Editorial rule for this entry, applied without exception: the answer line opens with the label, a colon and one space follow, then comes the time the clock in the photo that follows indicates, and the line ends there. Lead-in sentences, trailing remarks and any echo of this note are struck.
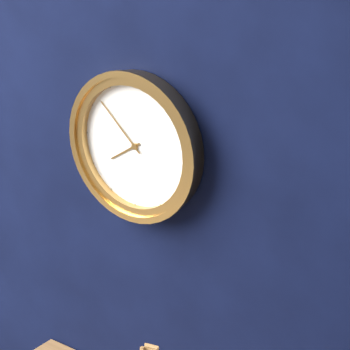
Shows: 7:52
